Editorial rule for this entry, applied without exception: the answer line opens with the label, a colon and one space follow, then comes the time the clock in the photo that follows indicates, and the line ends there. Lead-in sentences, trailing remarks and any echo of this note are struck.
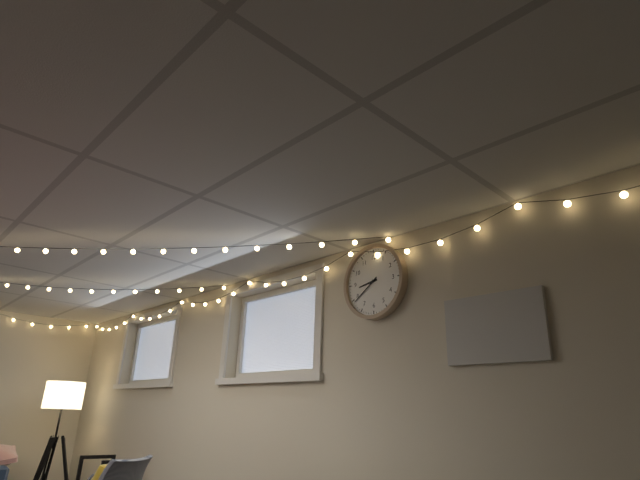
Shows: 8:39
